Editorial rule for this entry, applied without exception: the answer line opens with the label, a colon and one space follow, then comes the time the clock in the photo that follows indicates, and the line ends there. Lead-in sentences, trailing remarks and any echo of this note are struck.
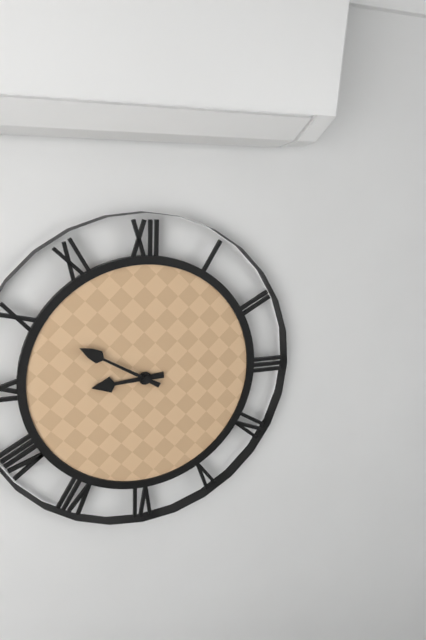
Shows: 8:50
